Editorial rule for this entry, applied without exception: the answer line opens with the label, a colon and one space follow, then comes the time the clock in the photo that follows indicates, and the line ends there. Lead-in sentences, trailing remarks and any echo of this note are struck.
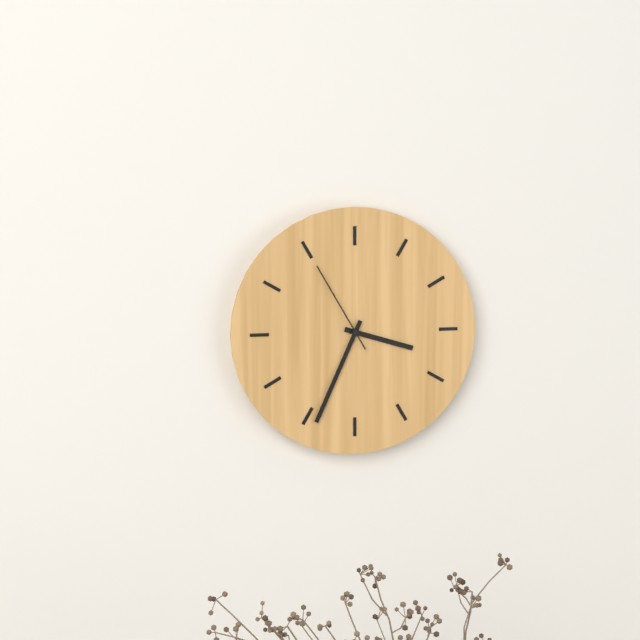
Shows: 3:34:55
